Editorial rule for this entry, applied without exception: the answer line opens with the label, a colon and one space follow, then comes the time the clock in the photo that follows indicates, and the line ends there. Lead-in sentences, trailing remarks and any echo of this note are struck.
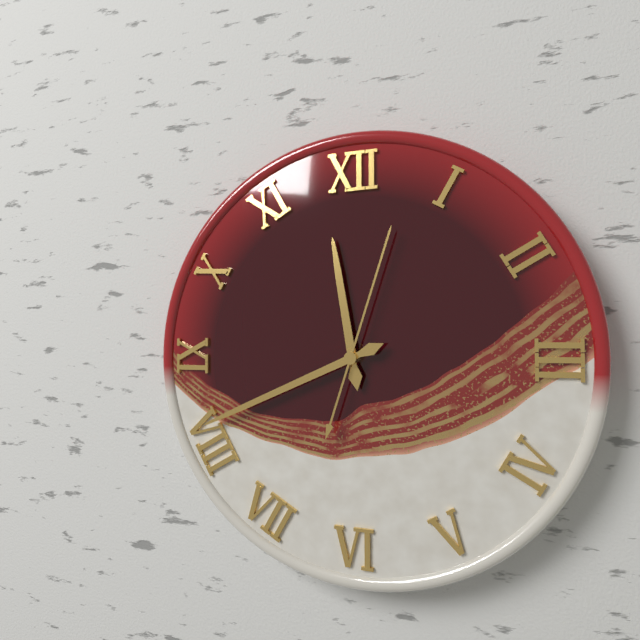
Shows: 11:41:03
